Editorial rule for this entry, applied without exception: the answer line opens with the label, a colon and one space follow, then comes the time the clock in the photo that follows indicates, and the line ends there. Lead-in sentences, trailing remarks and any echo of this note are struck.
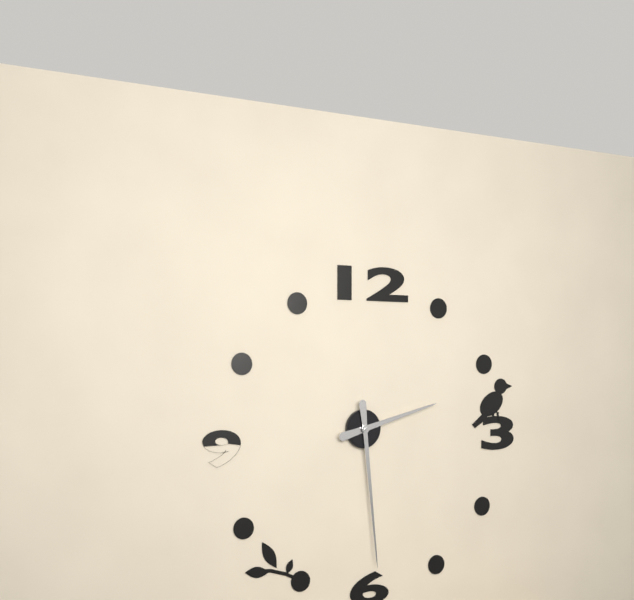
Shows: 2:29
